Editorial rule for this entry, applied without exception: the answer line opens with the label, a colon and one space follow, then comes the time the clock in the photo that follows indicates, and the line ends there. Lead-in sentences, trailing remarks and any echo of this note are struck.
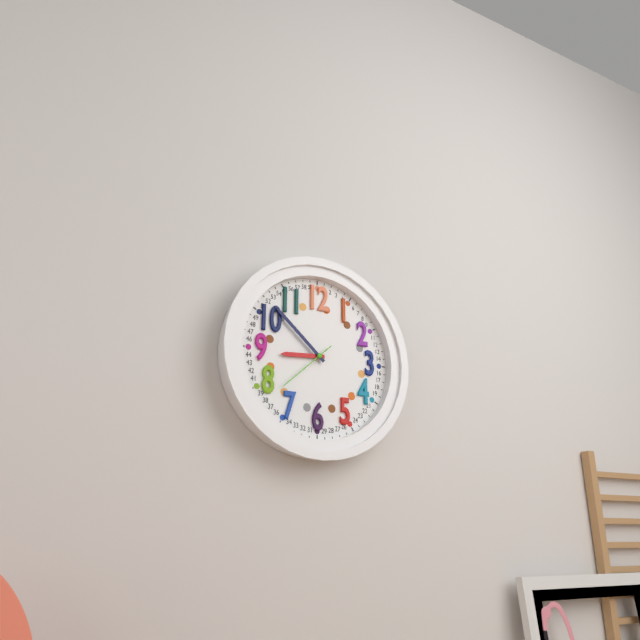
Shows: 8:52:38
